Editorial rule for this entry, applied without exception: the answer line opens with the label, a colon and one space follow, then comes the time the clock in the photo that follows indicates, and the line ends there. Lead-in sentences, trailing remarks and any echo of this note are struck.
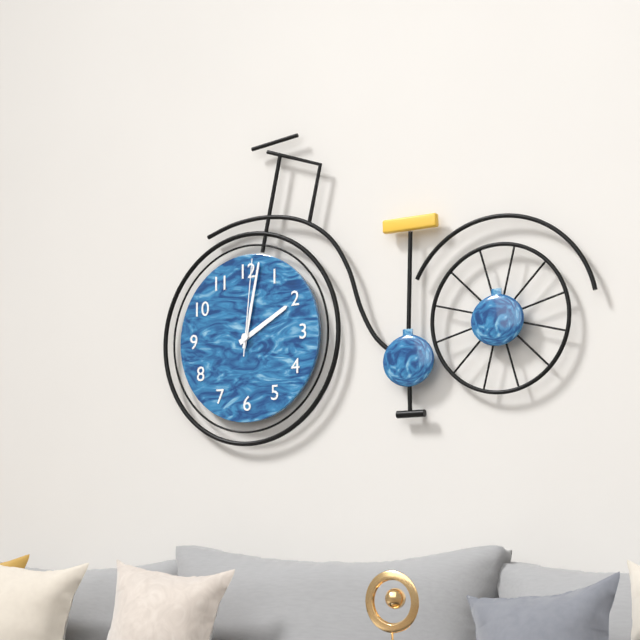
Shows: 2:02:01
